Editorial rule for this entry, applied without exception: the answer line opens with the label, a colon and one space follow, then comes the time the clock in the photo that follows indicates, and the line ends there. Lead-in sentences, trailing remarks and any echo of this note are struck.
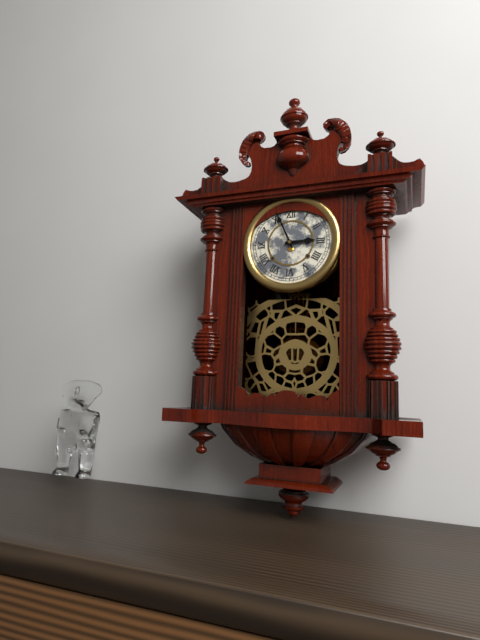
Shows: 2:56
